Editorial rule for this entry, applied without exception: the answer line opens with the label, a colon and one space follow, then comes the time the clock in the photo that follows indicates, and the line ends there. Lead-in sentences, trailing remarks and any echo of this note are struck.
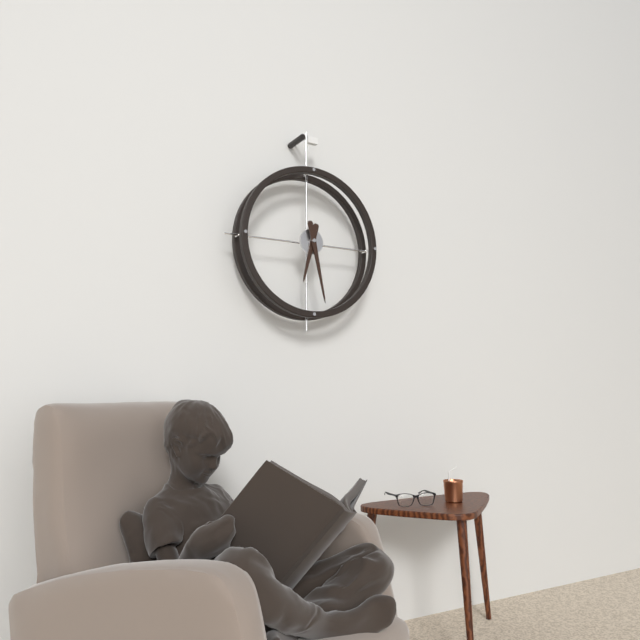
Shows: 6:28
